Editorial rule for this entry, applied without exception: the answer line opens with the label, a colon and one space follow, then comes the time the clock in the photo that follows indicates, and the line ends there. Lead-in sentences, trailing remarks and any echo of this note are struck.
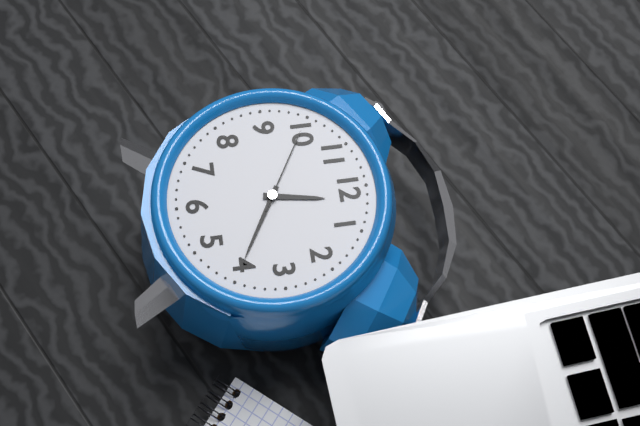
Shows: 12:20:50
